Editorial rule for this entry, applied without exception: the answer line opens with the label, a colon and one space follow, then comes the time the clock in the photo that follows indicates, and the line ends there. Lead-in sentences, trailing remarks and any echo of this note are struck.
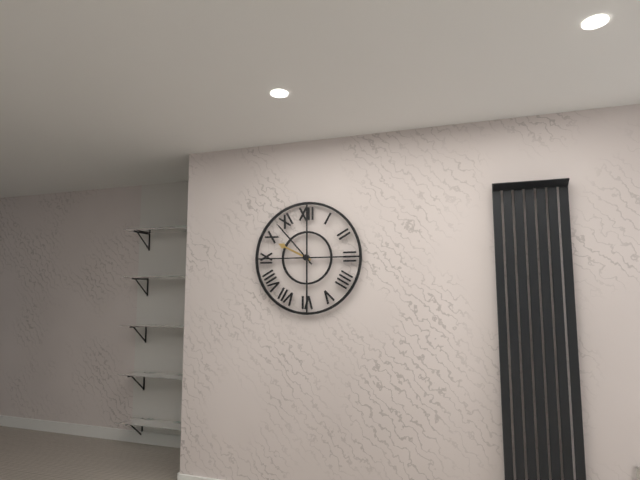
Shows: 9:53
